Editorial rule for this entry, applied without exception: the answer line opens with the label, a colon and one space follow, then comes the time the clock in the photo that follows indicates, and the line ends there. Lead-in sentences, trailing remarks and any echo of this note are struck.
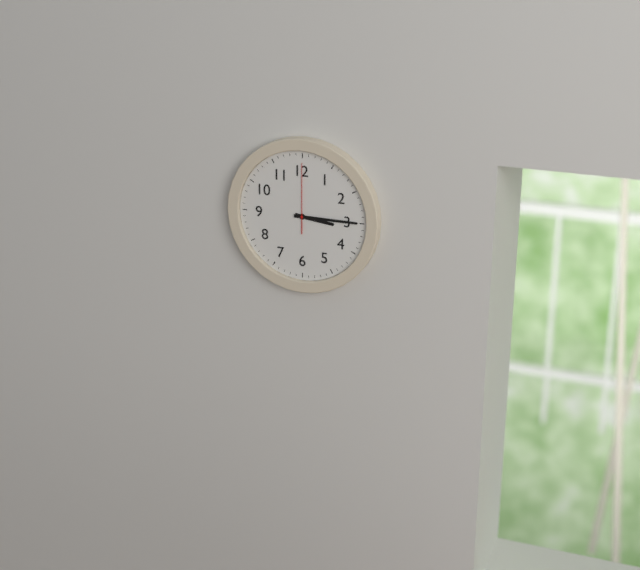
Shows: 3:15:00
